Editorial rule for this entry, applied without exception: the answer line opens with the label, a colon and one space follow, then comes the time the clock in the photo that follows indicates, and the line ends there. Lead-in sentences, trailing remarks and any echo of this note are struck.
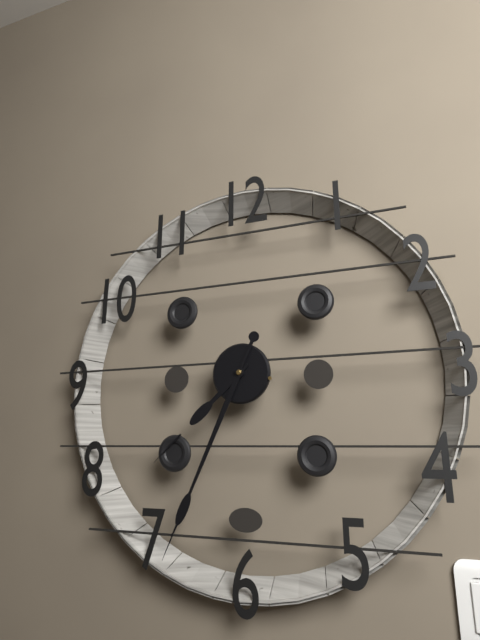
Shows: 7:34
